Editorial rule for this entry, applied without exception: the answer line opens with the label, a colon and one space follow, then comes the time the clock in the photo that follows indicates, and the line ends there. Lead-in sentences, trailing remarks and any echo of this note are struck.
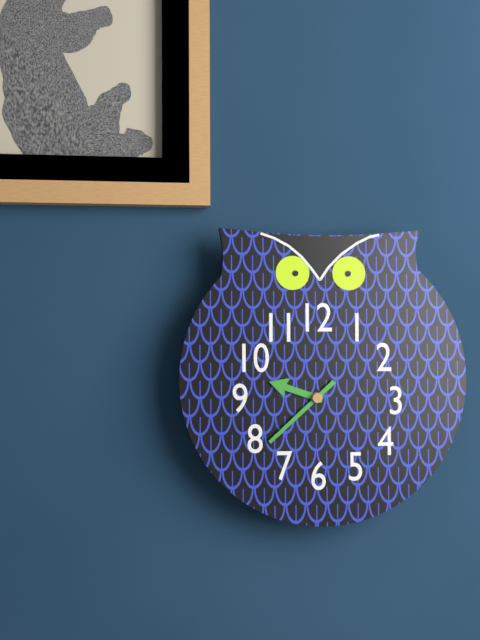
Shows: 9:38
